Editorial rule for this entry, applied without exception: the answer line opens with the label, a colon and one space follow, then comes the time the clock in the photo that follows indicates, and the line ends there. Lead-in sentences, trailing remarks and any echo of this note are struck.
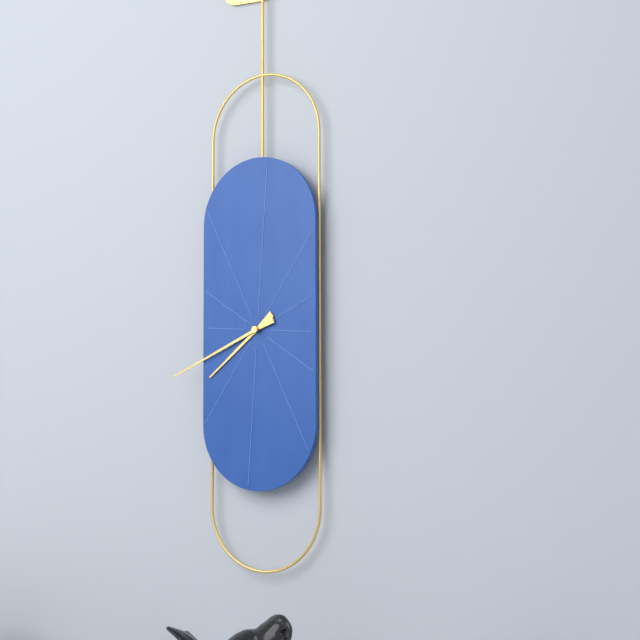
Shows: 7:41
